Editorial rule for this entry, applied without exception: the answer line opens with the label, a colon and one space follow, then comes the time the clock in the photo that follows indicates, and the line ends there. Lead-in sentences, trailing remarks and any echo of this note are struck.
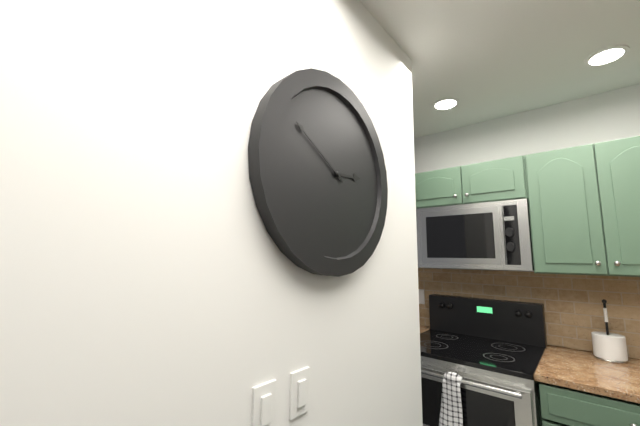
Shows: 2:50
